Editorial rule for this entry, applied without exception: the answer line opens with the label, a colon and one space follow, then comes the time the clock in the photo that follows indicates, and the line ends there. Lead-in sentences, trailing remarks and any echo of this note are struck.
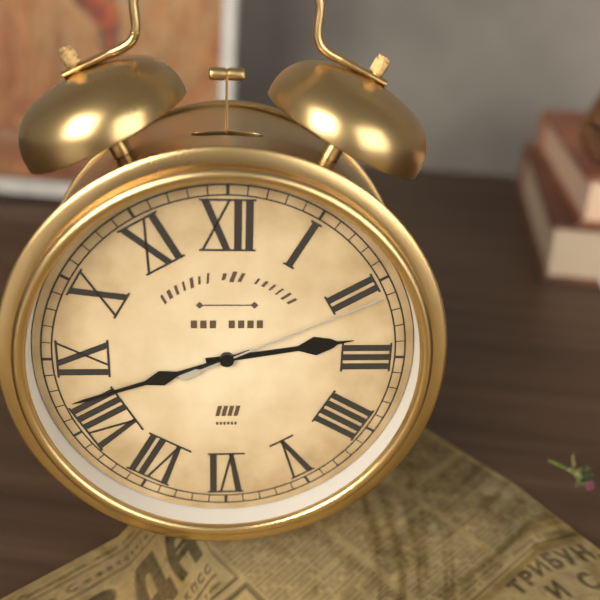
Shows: 2:42:11
